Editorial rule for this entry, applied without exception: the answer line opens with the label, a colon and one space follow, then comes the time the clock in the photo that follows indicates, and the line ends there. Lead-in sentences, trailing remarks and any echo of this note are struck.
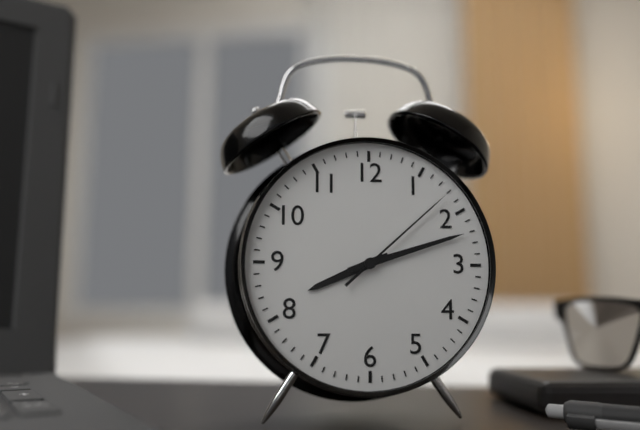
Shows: 8:12:08
